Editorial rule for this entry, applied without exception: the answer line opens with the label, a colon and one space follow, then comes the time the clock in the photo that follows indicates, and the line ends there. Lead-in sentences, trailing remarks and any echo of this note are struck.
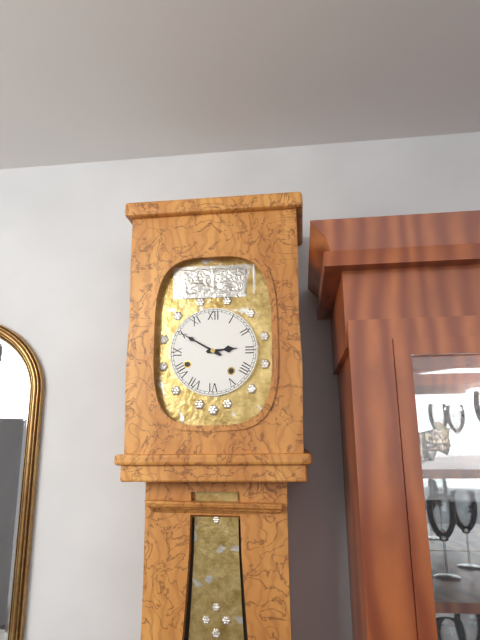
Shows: 2:50
